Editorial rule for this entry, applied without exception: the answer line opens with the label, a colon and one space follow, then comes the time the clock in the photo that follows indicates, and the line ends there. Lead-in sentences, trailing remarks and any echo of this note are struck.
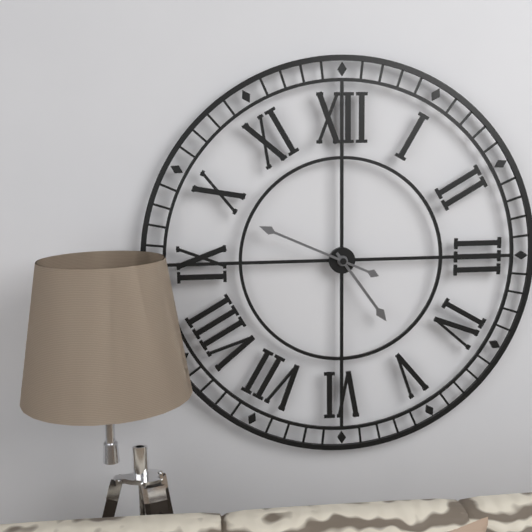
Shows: 4:49
